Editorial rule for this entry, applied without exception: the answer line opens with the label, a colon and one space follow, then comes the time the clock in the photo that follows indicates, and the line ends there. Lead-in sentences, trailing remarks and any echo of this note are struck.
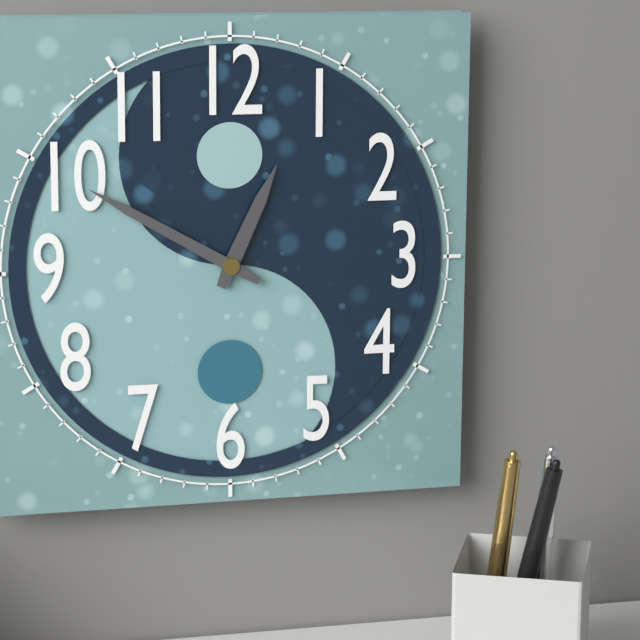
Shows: 12:50
